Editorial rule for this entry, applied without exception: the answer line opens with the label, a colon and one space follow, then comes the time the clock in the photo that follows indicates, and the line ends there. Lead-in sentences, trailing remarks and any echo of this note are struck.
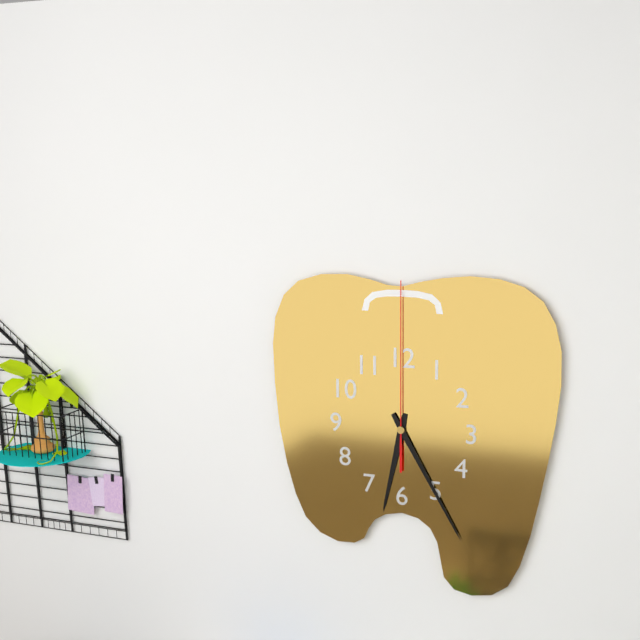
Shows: 6:25:00
